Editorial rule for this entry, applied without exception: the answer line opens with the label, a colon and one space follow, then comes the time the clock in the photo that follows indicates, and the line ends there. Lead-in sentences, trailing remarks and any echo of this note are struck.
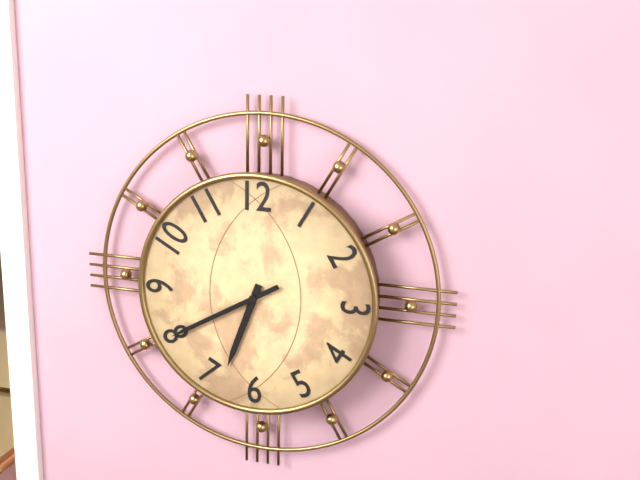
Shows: 6:40
